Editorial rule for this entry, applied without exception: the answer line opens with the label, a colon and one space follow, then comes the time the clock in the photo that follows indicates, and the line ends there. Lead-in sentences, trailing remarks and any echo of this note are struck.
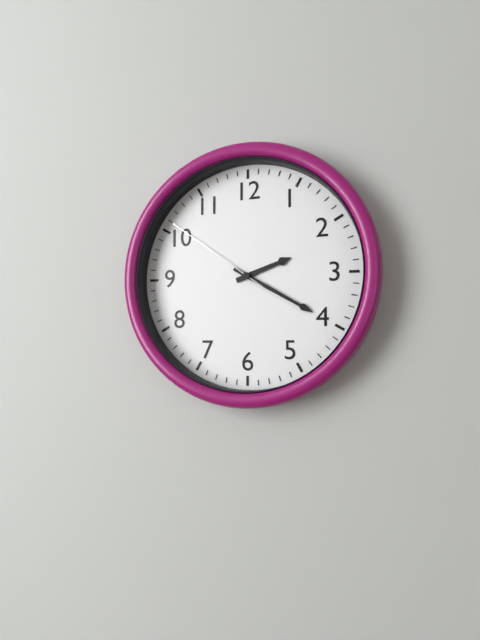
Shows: 2:20:51
